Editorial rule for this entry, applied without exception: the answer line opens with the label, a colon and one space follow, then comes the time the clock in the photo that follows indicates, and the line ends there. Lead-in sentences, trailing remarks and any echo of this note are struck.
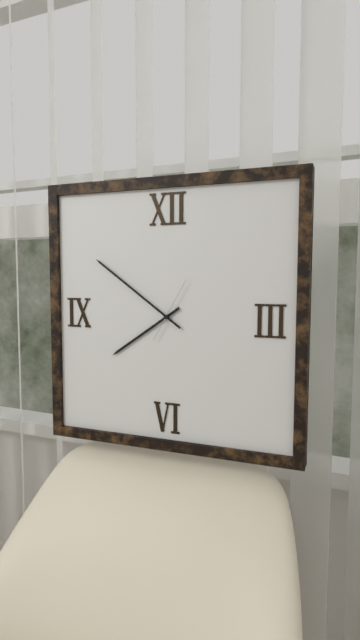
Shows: 7:51:05
